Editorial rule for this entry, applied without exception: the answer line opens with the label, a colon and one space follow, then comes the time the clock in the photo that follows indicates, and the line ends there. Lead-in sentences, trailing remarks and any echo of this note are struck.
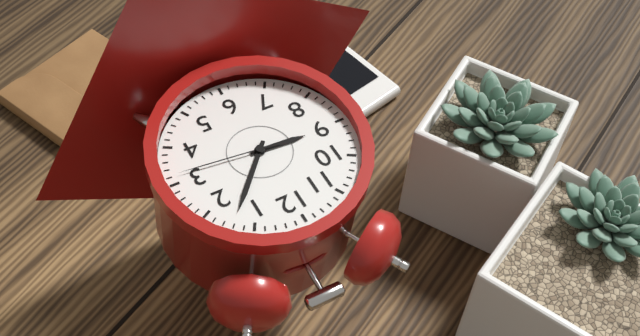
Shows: 9:07:16
